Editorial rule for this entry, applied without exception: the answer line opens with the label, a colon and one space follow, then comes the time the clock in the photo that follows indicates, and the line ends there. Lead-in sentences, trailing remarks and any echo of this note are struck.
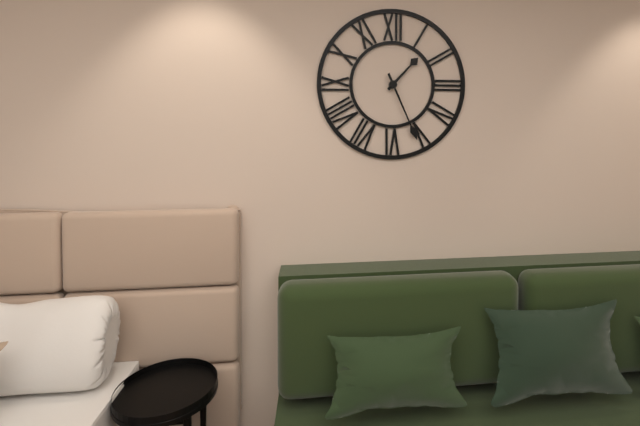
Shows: 1:26
